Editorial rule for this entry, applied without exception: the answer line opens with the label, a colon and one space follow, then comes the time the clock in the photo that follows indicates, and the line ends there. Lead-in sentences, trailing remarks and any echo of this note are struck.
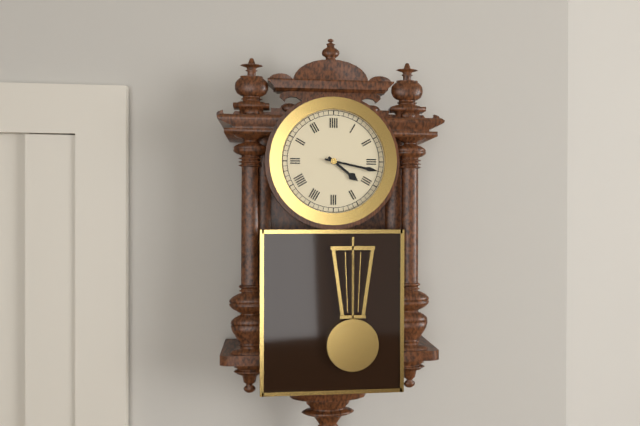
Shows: 4:17
